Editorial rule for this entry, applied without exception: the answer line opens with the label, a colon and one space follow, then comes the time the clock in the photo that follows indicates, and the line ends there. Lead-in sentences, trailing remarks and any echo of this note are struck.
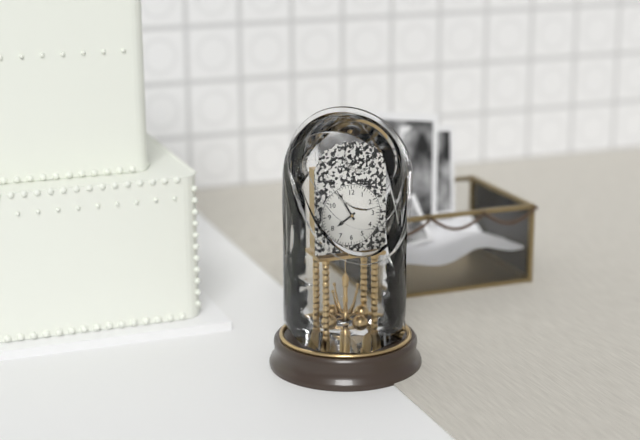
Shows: 7:55
